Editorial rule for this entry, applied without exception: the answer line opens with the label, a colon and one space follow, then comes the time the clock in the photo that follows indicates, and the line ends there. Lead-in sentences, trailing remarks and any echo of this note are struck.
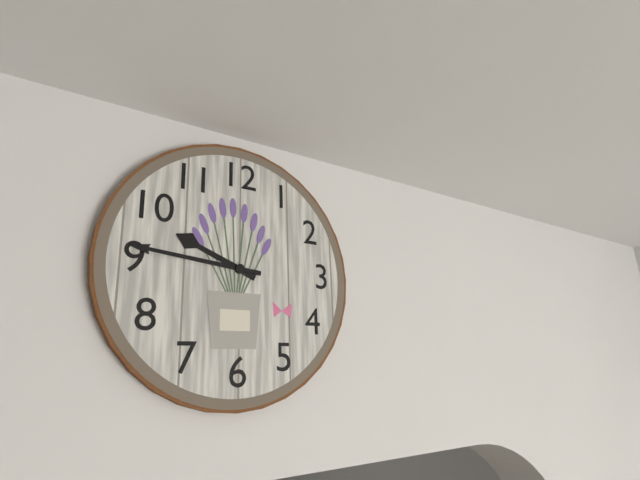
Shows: 9:46
